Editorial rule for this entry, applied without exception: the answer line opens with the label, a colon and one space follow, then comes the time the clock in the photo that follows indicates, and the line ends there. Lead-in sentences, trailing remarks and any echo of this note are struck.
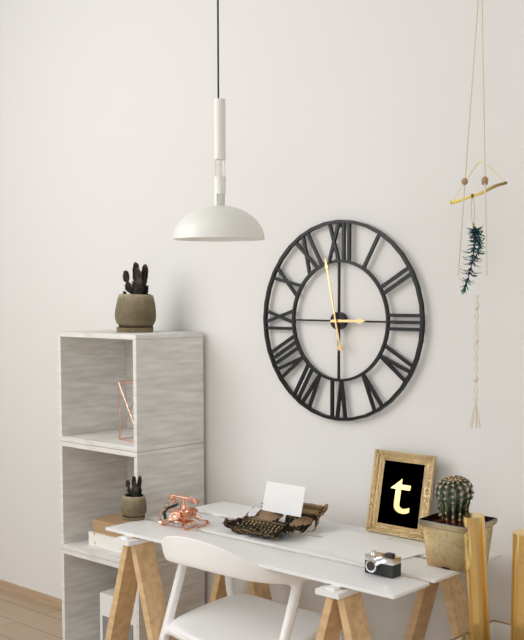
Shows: 2:58
